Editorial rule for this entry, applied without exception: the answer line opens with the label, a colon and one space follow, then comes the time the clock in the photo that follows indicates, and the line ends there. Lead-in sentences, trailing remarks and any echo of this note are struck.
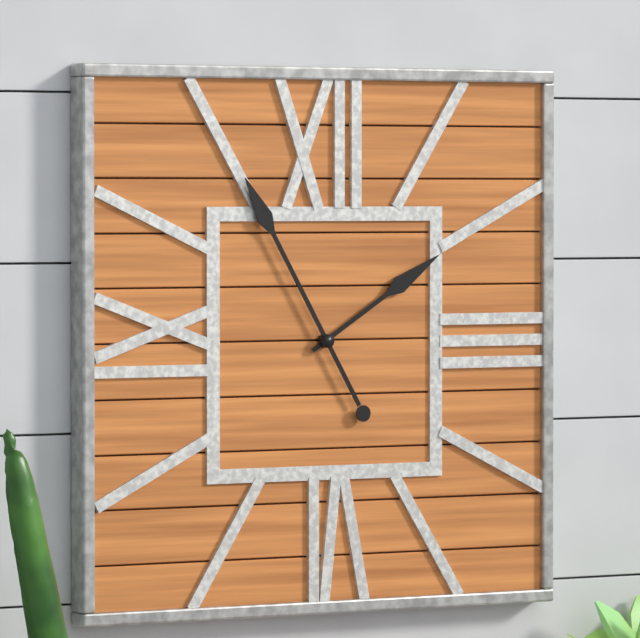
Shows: 1:55
